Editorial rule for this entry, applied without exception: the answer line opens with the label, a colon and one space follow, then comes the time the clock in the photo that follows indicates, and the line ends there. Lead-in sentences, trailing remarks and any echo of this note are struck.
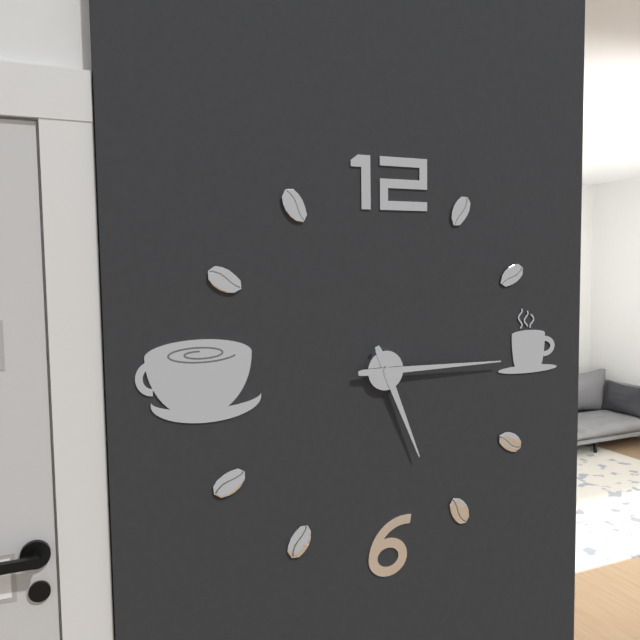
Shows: 5:15
